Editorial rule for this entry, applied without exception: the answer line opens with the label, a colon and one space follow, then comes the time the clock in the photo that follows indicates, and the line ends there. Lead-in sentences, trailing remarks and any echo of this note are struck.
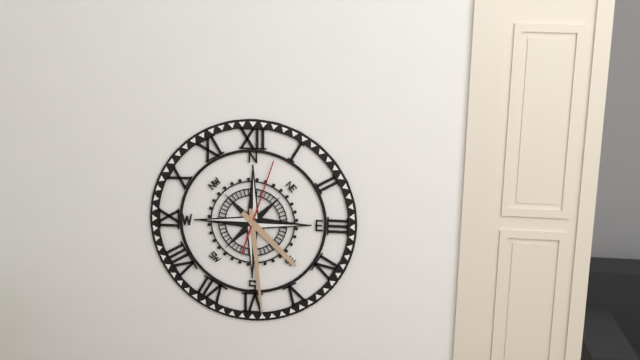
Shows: 4:29:03
